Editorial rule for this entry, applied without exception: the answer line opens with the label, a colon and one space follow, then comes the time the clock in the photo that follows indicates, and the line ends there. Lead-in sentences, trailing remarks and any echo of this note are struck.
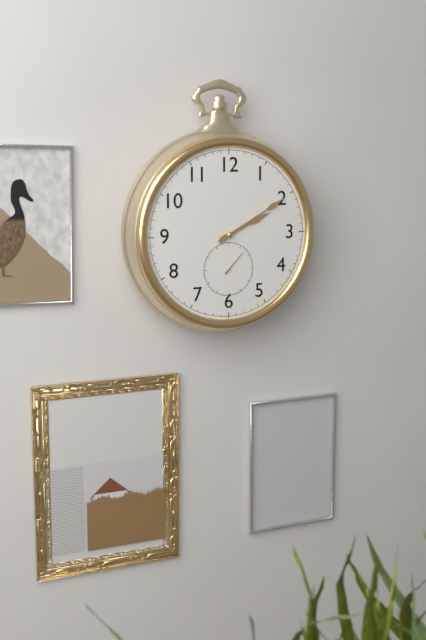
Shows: 2:10
